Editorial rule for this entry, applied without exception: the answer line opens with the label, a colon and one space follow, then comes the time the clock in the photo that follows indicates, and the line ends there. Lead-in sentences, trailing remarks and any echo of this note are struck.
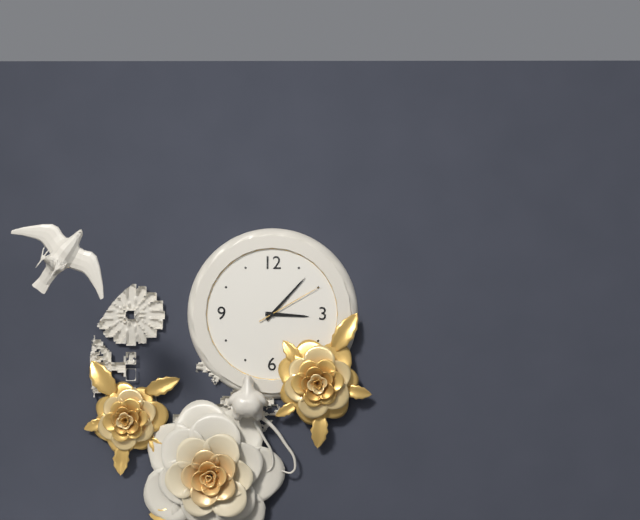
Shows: 3:07:10
